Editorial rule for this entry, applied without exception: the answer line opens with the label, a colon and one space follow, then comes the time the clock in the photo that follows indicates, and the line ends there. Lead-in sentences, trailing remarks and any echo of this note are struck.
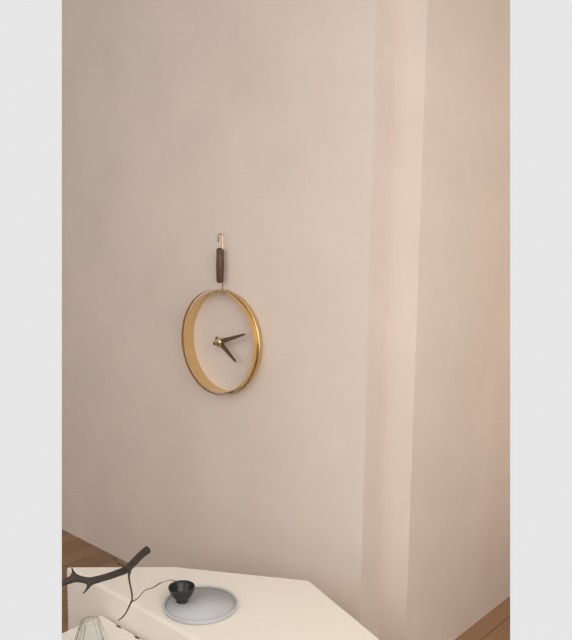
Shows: 4:12
